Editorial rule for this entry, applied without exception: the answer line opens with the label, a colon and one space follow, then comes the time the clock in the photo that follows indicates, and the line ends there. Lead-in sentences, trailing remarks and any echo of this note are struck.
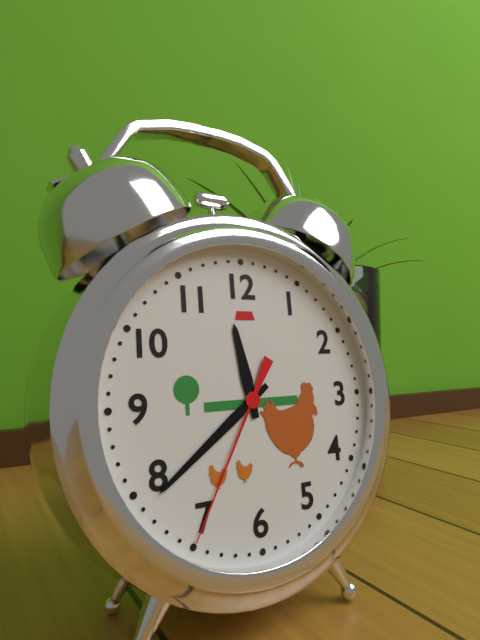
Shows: 11:39:35
